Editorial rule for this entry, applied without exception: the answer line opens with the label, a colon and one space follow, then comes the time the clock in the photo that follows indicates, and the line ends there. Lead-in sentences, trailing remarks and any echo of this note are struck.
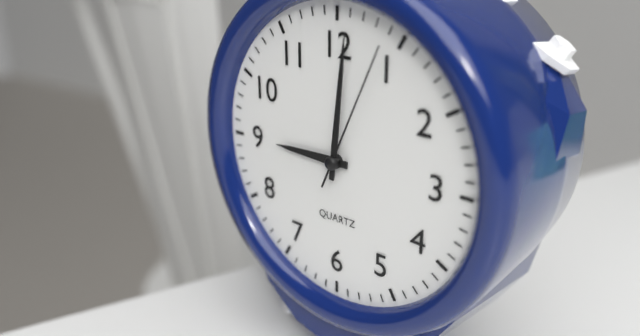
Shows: 9:01:04
